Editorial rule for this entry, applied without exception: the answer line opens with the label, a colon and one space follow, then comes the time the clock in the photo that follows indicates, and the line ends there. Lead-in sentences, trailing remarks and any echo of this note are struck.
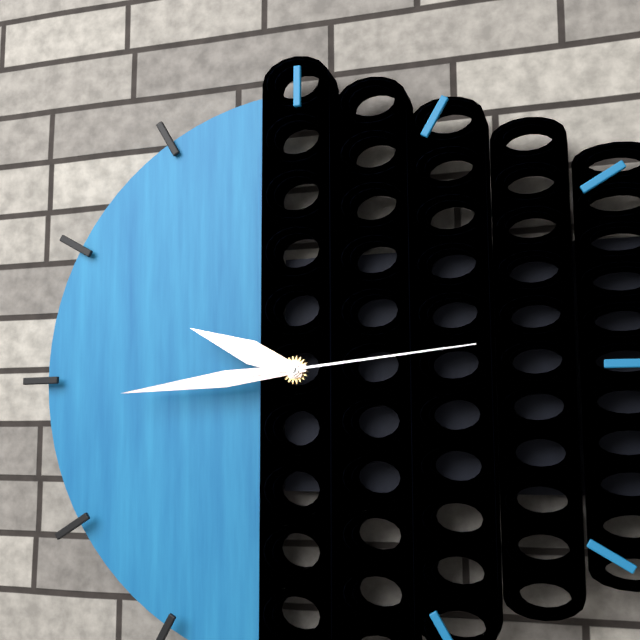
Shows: 9:44:14
